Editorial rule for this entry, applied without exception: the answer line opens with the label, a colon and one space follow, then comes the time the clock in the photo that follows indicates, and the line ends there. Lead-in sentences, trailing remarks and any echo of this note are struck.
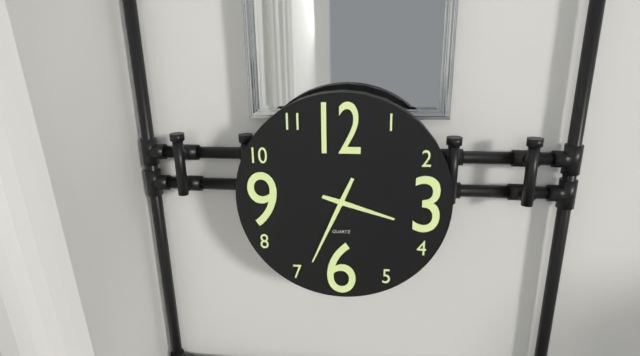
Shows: 3:34
